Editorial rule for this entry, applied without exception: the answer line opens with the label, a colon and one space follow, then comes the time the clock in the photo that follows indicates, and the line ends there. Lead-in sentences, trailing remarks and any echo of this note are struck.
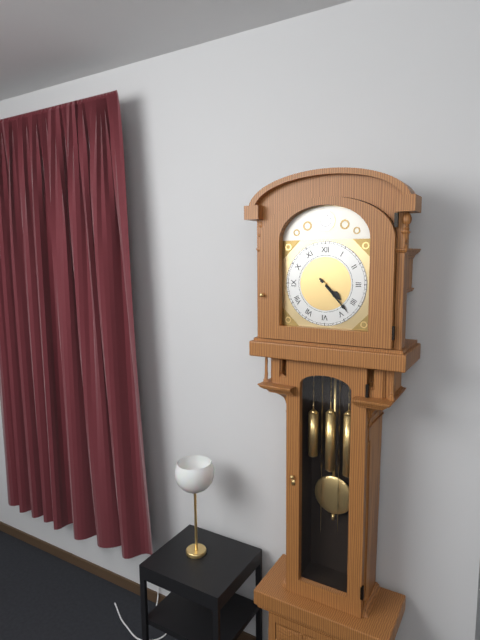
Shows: 4:23
